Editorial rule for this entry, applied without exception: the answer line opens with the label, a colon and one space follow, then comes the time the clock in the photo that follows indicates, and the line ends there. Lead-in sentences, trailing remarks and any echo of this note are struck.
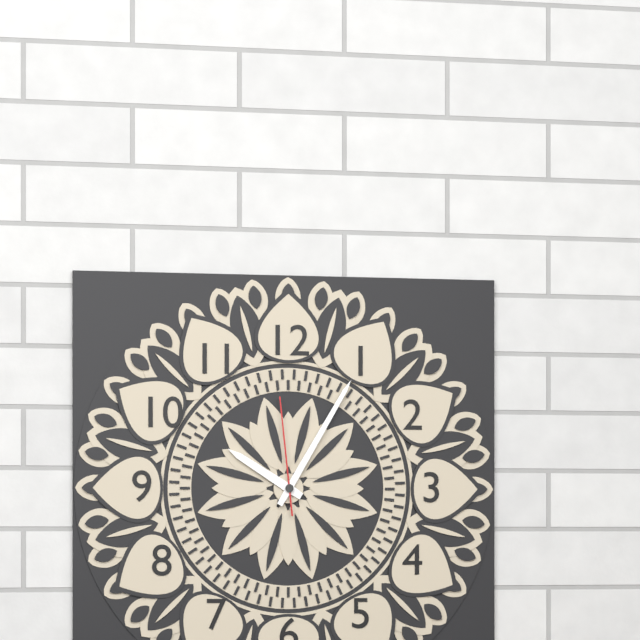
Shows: 10:05:59
